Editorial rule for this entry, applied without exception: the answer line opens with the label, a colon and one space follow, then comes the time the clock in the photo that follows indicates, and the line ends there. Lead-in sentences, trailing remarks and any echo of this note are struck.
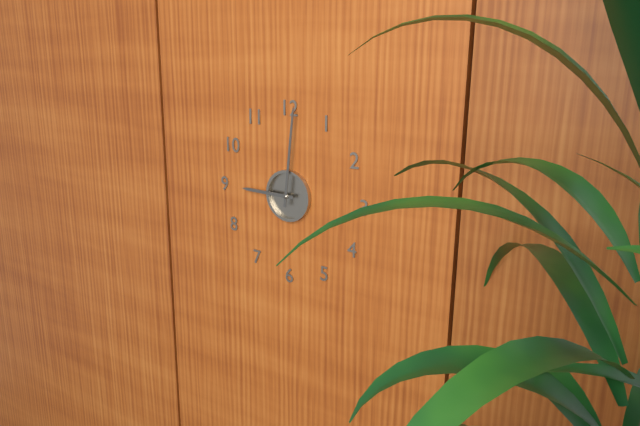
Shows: 9:01
